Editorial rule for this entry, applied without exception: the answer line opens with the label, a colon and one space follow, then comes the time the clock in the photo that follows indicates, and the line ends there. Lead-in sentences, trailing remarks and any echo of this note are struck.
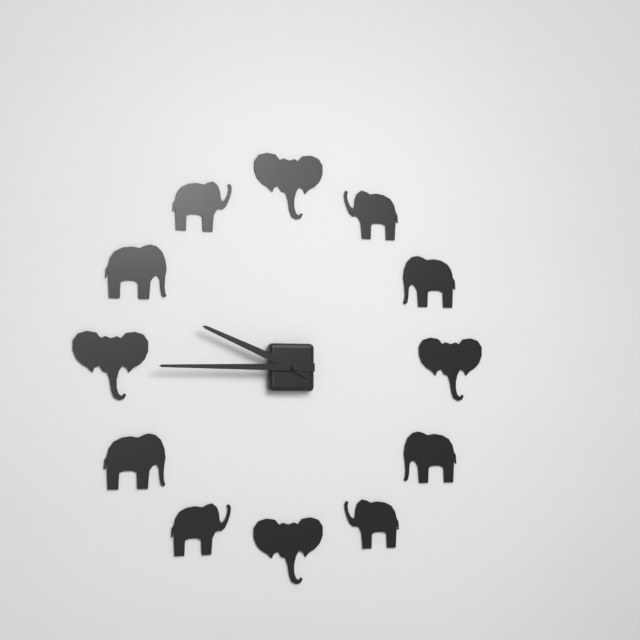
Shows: 9:45
